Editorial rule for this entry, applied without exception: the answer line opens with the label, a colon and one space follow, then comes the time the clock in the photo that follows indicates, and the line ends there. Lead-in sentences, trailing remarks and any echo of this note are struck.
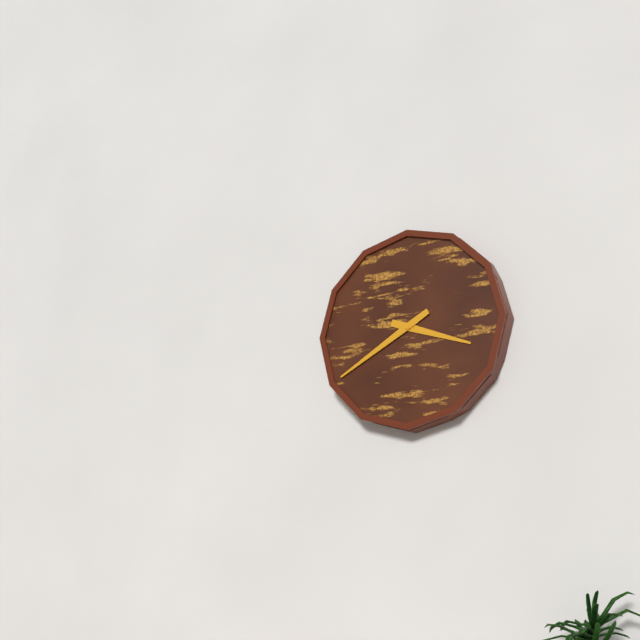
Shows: 3:40
